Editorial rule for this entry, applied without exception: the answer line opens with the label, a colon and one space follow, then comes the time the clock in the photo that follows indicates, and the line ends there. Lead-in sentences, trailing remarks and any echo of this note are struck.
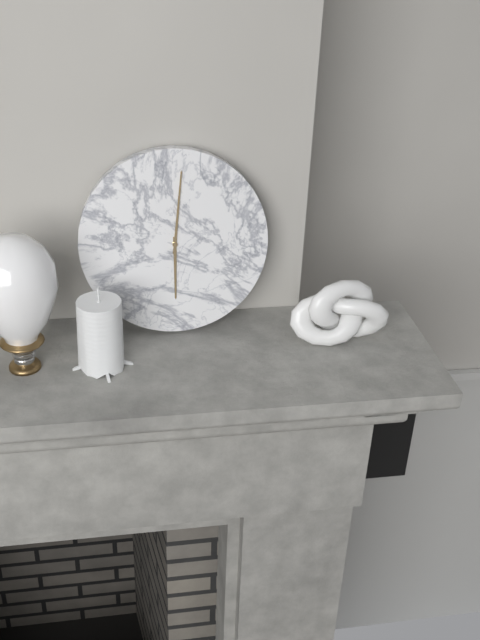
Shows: 6:01
